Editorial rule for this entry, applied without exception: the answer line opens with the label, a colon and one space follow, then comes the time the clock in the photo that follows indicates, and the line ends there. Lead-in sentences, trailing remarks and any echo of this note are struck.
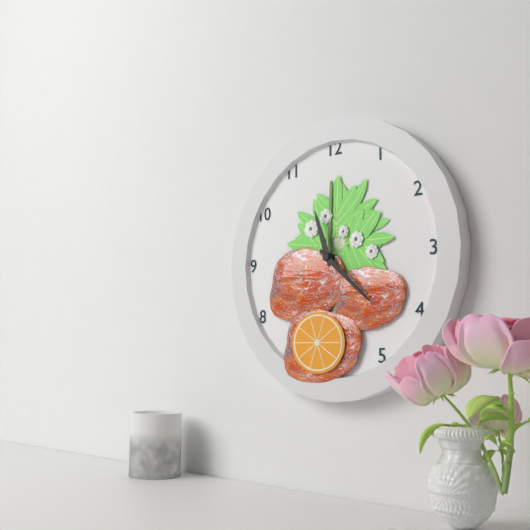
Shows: 11:22
